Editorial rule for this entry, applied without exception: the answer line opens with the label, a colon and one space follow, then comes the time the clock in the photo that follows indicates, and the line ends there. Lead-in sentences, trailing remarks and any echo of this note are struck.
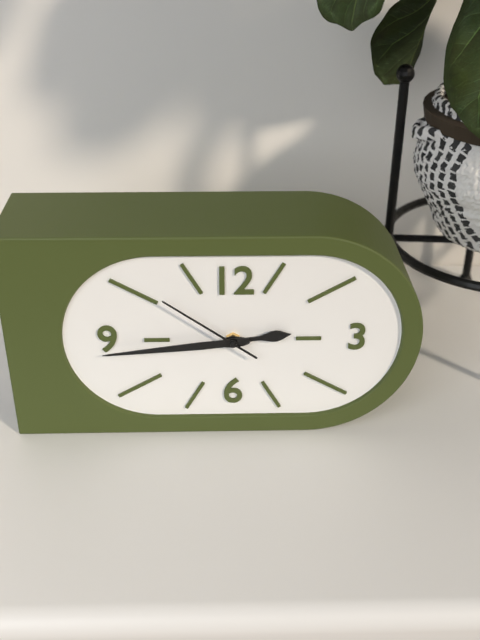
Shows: 2:44:51
